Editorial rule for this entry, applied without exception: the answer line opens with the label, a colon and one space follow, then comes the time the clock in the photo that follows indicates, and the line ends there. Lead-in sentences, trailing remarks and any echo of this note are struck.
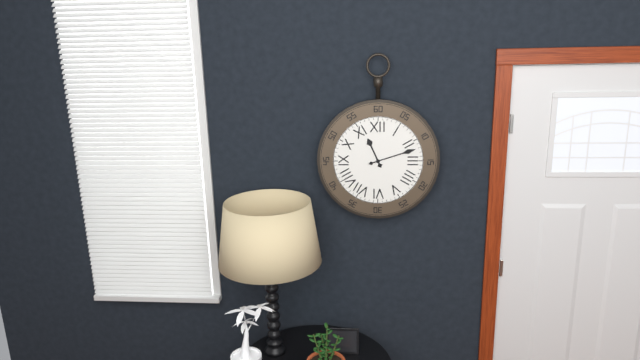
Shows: 11:12
